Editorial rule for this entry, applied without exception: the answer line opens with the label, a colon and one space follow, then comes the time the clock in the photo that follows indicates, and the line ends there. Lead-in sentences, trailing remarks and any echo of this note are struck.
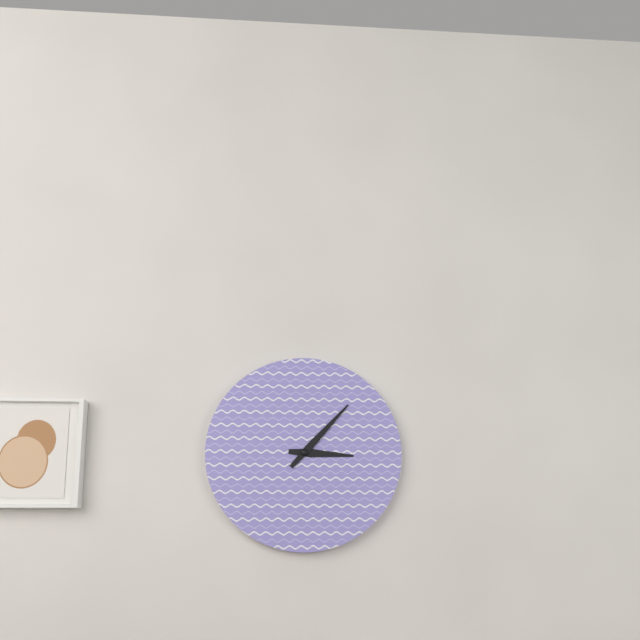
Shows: 3:07
